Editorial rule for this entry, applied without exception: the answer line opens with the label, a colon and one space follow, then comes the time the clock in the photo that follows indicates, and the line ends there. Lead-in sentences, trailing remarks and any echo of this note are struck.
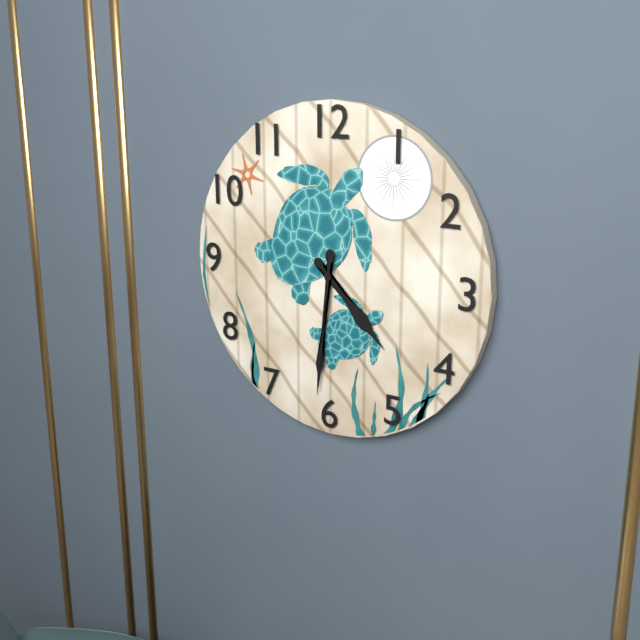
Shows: 4:31
